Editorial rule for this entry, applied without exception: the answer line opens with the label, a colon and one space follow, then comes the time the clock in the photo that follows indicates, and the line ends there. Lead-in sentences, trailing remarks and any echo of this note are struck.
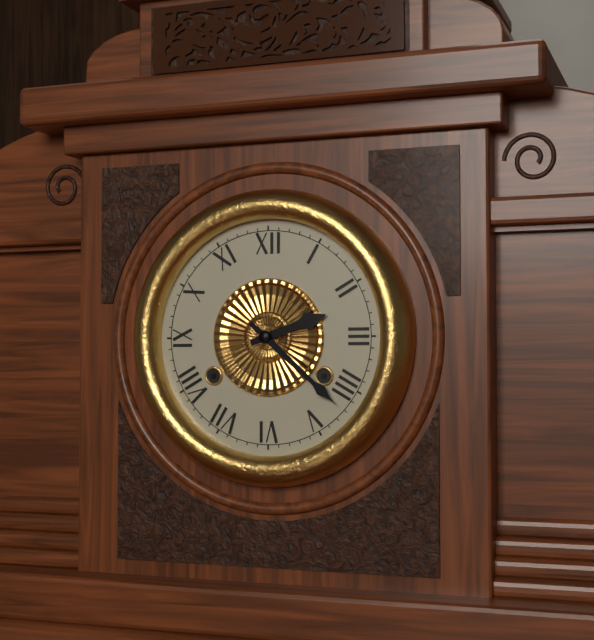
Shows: 2:22
